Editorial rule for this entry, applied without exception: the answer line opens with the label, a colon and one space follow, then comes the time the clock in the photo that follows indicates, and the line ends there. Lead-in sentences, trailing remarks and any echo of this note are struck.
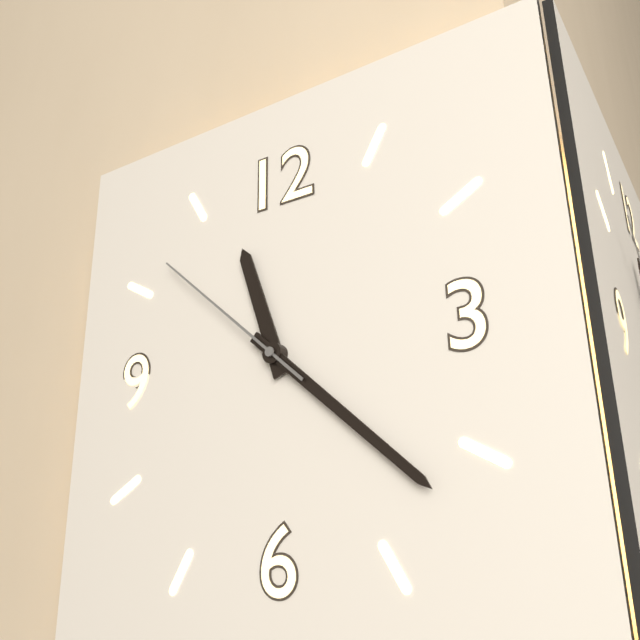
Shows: 11:22:52
